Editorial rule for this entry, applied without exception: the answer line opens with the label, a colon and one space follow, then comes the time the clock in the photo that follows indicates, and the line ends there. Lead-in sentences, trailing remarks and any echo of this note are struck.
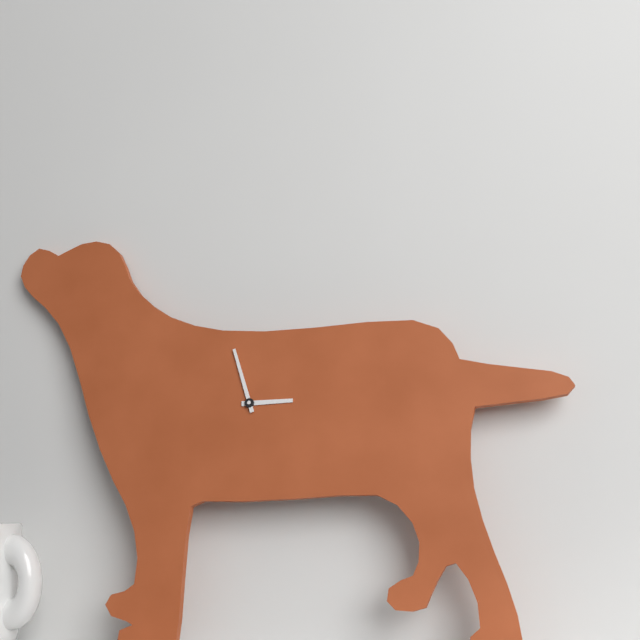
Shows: 2:57
